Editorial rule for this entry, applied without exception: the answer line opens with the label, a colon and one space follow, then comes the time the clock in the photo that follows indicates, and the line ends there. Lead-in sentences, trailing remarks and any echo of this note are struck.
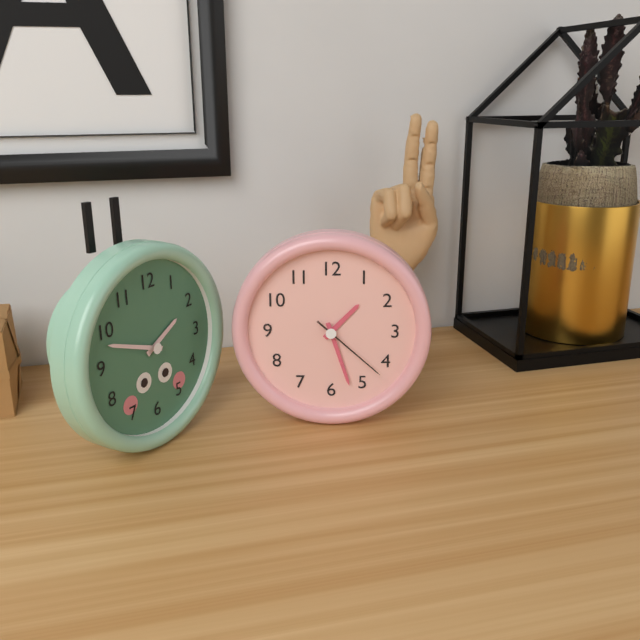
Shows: 1:27:22
